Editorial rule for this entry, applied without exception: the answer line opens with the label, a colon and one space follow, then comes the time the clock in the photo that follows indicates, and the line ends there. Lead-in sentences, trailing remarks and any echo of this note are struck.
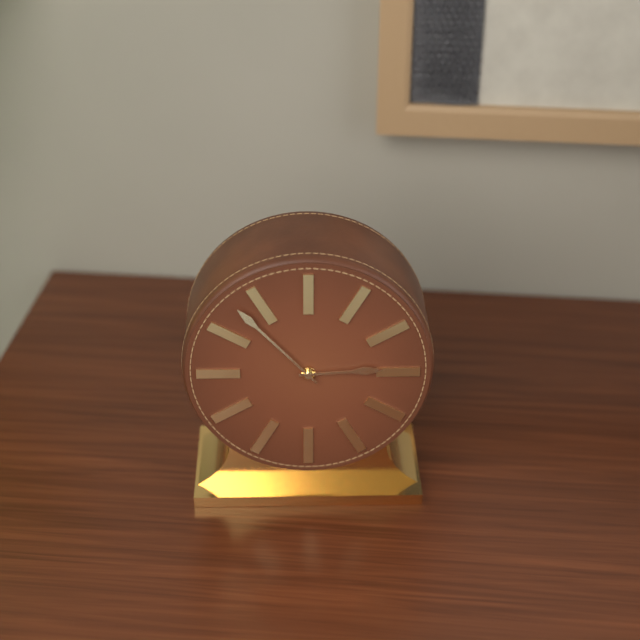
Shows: 2:53
